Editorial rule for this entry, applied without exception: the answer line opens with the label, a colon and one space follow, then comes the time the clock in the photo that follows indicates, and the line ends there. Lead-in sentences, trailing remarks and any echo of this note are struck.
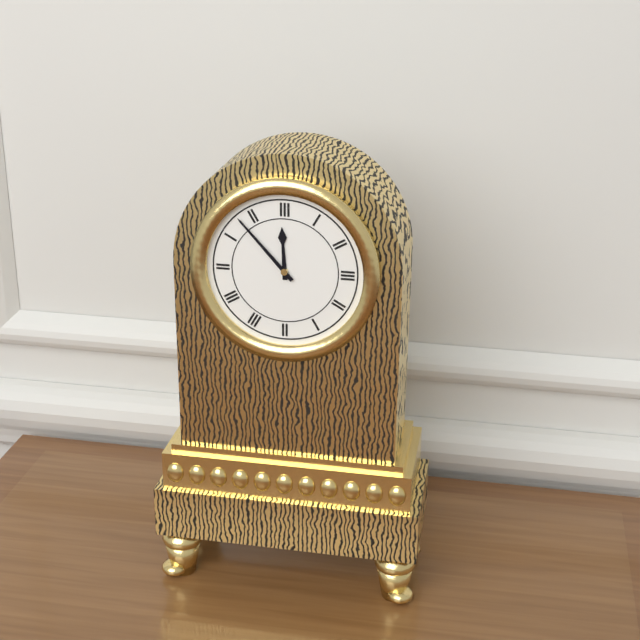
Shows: 11:53
